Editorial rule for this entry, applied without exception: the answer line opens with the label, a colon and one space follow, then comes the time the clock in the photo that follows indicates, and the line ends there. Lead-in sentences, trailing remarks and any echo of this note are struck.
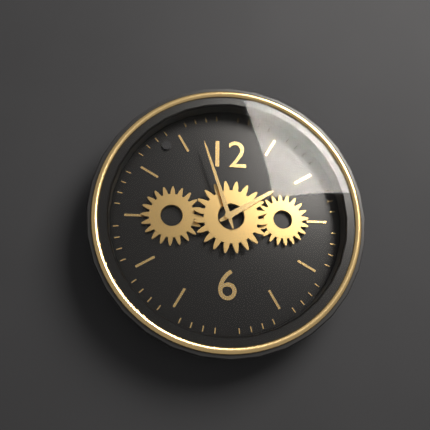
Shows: 1:57
